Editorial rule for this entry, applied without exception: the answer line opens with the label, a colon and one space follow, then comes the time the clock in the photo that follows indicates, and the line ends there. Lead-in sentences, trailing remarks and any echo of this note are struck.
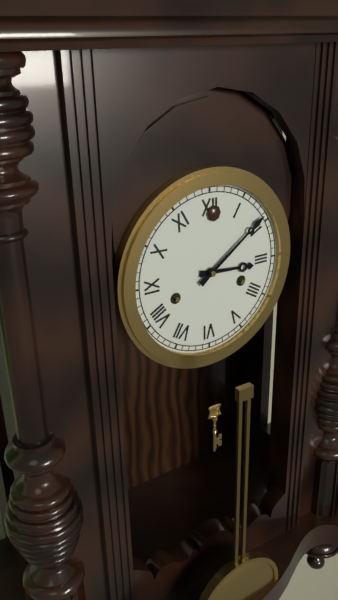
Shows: 3:09
